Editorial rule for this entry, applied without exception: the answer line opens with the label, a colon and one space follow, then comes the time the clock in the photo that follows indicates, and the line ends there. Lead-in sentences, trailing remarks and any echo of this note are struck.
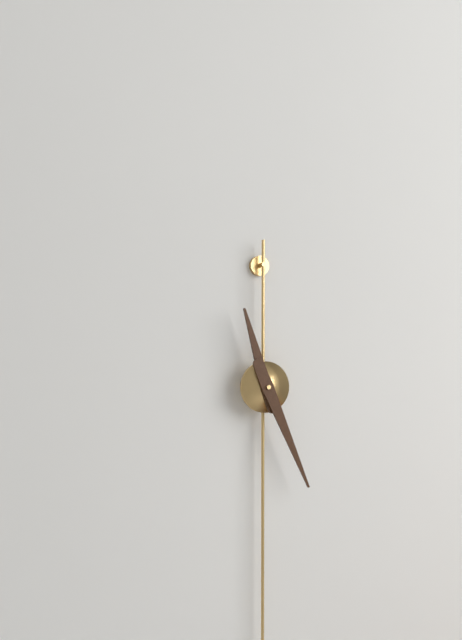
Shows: 11:26
